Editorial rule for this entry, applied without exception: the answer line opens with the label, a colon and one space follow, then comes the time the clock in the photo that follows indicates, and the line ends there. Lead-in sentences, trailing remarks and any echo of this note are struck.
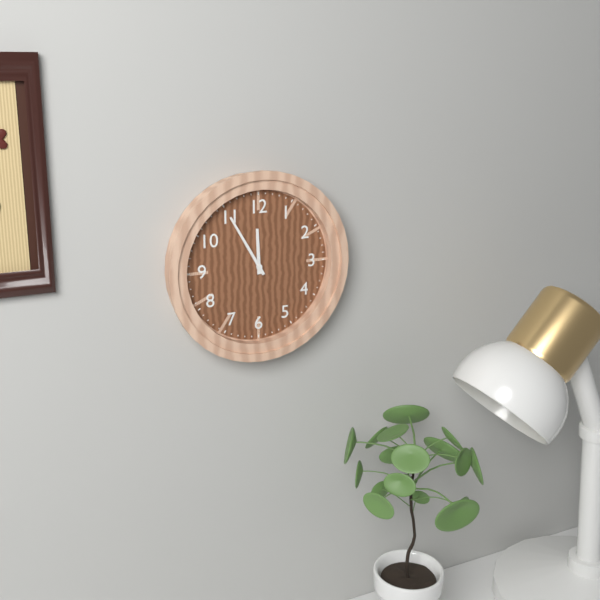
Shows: 11:55
